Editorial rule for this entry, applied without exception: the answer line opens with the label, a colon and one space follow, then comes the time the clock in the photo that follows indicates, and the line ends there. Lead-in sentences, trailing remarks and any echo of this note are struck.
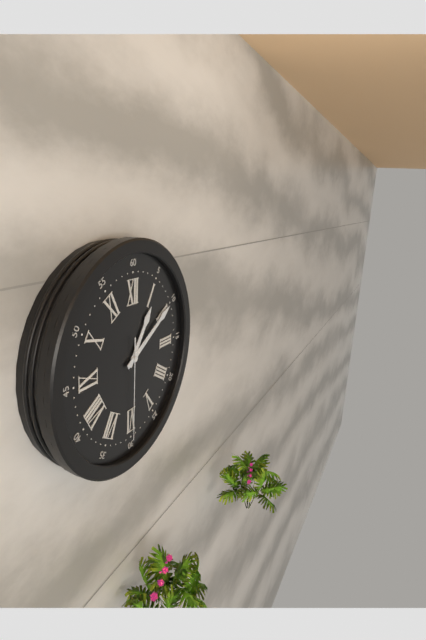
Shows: 1:10:30
